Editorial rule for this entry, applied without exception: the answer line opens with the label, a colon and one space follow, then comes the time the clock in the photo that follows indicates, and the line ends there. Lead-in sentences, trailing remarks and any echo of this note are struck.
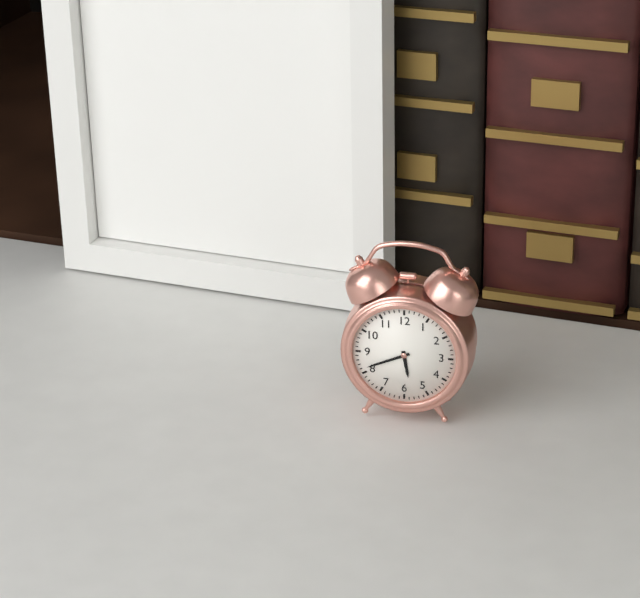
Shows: 5:41
